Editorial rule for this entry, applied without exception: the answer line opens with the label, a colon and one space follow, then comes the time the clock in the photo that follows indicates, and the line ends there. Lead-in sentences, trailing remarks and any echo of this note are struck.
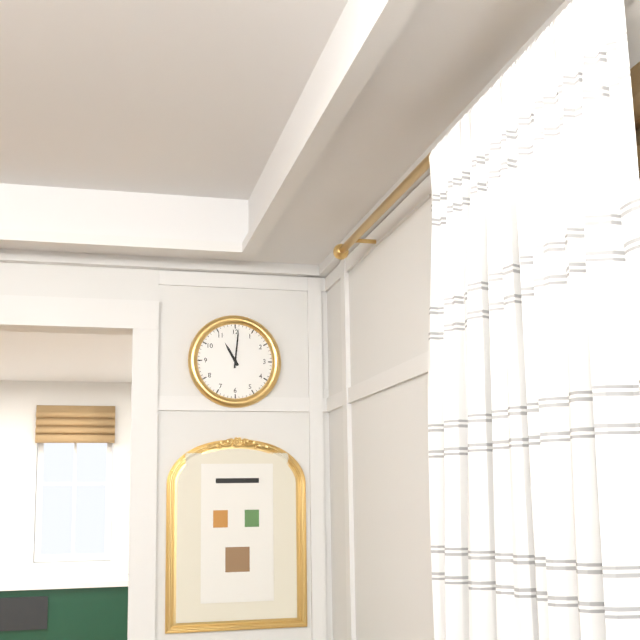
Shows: 11:01
